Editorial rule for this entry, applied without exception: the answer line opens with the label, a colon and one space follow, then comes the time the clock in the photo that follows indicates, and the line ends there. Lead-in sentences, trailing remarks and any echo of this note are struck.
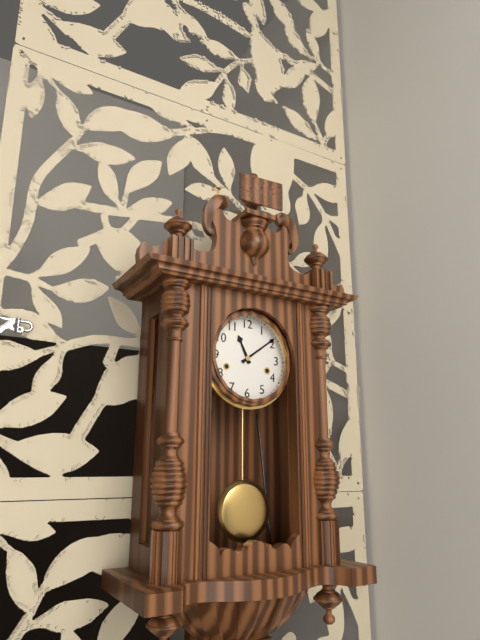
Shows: 11:09
